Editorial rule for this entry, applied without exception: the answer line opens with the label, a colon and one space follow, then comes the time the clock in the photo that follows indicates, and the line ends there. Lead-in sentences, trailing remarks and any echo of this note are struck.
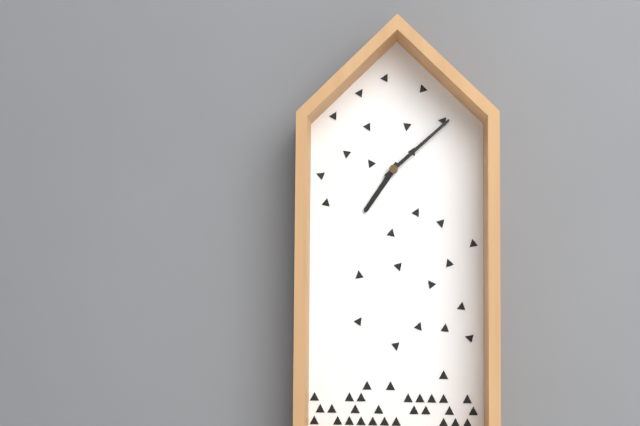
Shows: 7:08
